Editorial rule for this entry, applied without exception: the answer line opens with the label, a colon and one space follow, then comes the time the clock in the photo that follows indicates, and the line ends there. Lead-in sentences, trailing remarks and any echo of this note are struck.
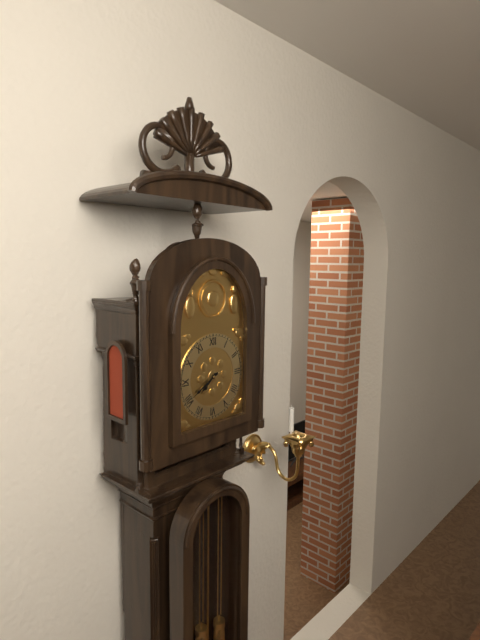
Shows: 7:40
